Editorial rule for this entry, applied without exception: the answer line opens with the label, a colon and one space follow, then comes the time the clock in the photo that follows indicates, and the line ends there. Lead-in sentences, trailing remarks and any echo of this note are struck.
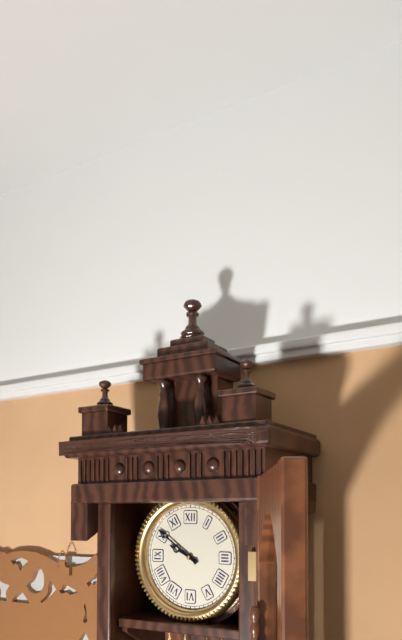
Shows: 9:51
